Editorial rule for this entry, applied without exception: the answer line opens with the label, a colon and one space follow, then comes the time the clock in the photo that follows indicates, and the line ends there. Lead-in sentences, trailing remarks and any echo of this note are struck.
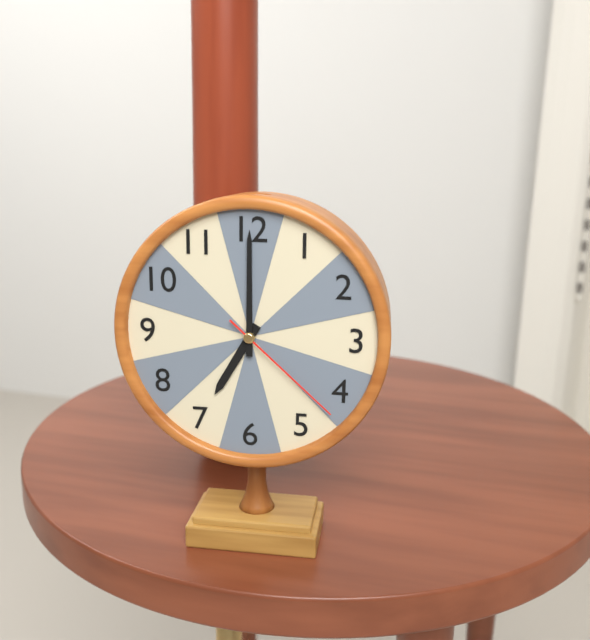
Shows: 7:00:22
